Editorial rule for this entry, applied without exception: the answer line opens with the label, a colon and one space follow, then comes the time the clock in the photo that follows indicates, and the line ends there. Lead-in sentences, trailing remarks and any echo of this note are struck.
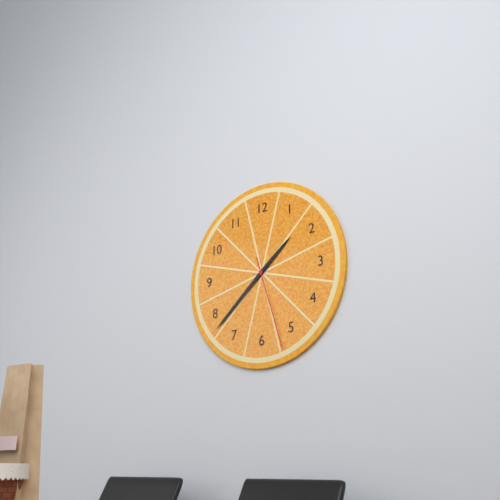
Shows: 1:38:27
